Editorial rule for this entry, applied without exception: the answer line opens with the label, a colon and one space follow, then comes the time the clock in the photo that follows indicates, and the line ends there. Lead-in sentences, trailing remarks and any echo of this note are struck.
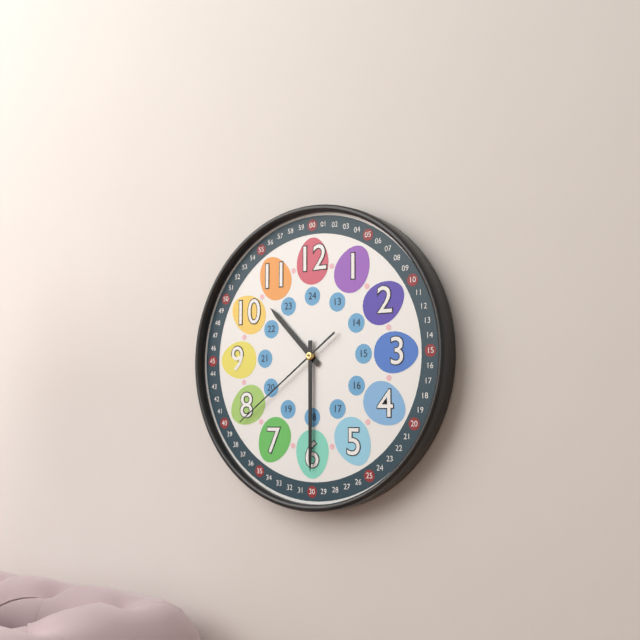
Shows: 10:30:39
